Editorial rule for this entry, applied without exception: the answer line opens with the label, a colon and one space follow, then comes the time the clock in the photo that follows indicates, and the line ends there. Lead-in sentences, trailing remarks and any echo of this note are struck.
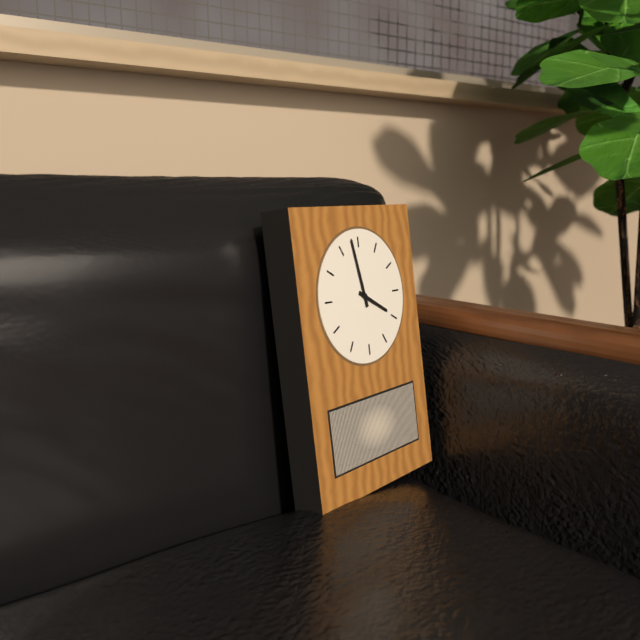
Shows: 3:58
